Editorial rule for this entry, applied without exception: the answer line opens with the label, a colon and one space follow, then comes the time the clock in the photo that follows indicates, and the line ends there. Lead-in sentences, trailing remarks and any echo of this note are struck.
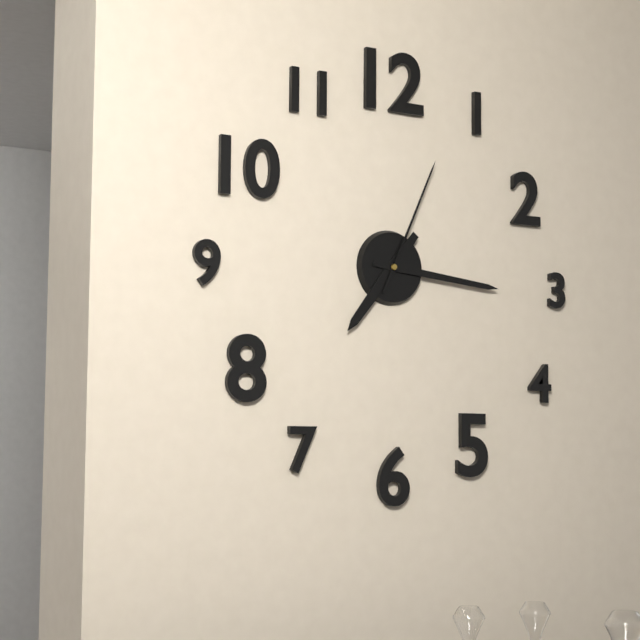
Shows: 7:16:04
